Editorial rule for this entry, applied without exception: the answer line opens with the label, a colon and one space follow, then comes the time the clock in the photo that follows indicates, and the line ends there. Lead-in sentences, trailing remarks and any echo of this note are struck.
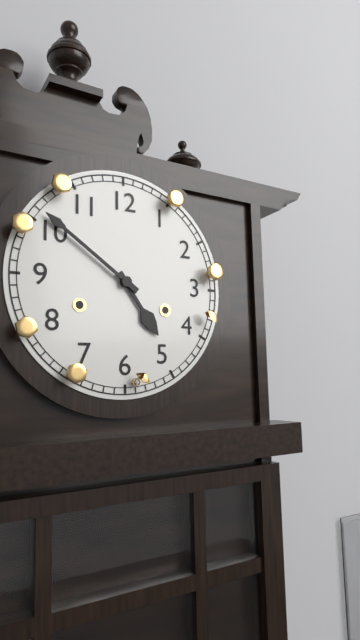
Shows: 4:51
